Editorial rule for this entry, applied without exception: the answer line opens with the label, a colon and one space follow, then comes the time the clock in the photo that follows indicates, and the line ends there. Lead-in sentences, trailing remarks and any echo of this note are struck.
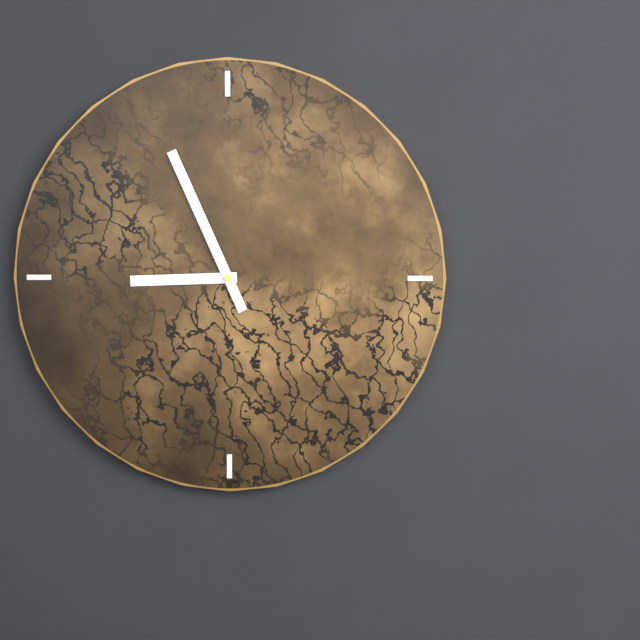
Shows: 8:56
